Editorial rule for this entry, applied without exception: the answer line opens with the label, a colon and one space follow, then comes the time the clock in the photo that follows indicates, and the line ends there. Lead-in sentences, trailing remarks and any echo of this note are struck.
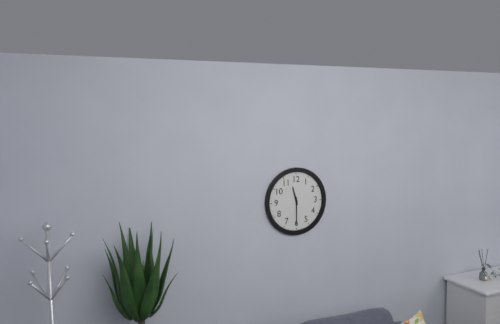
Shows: 11:30
